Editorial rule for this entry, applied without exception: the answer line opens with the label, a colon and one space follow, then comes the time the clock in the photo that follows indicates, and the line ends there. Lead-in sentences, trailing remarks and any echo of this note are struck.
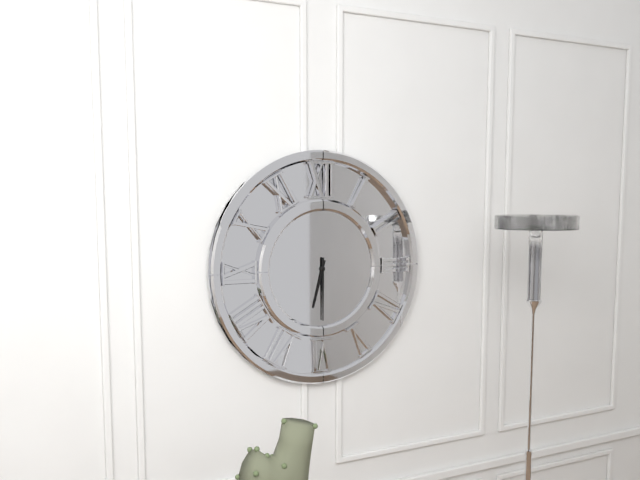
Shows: 6:30
